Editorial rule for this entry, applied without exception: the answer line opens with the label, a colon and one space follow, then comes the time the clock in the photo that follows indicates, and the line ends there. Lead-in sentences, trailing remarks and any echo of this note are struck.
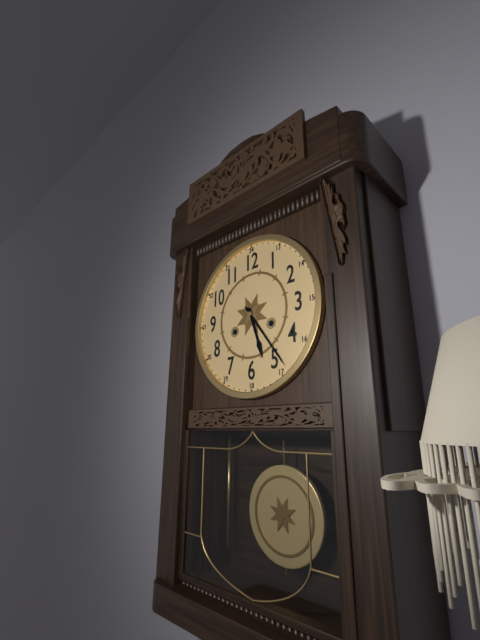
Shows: 5:24
